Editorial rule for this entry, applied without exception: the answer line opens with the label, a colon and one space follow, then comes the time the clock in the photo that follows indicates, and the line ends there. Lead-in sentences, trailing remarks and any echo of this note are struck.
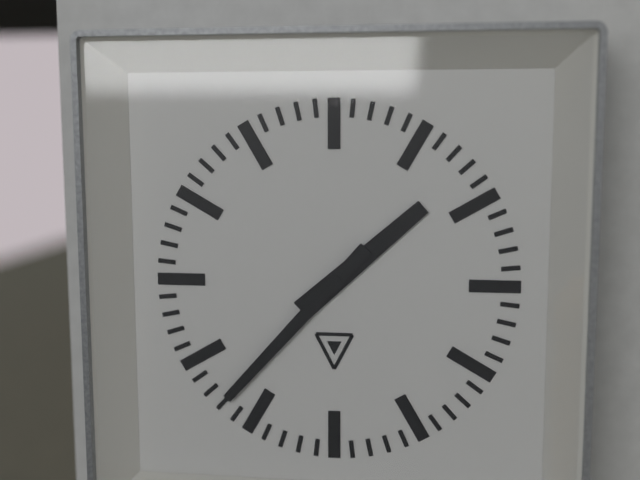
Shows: 1:37
